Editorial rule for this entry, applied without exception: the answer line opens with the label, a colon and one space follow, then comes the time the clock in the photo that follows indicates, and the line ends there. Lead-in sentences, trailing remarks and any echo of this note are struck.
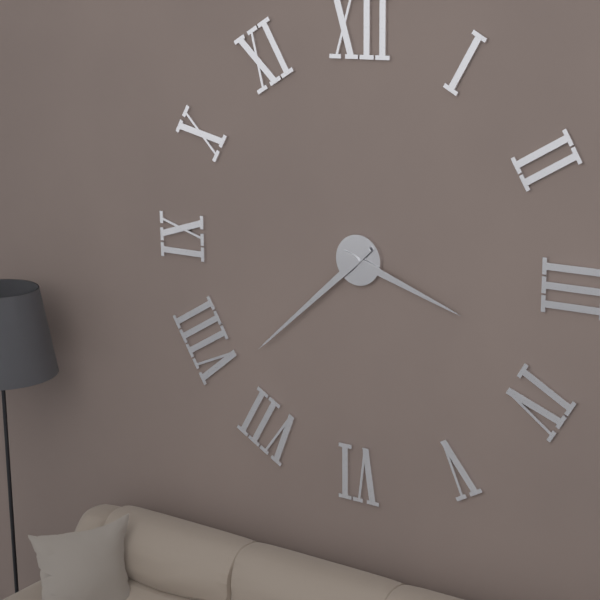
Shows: 3:38
